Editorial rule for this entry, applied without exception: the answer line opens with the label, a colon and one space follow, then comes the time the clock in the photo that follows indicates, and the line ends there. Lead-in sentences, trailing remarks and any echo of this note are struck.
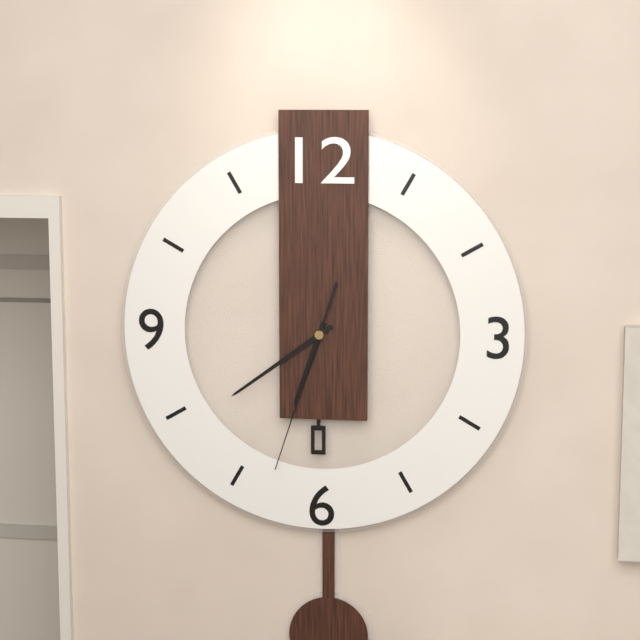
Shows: 6:39:33
